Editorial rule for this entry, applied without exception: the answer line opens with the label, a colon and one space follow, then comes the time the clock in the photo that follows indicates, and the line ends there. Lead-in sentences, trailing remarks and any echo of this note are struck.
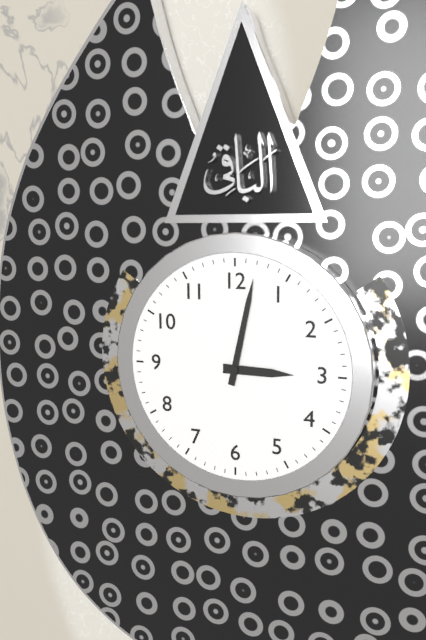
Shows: 3:02
